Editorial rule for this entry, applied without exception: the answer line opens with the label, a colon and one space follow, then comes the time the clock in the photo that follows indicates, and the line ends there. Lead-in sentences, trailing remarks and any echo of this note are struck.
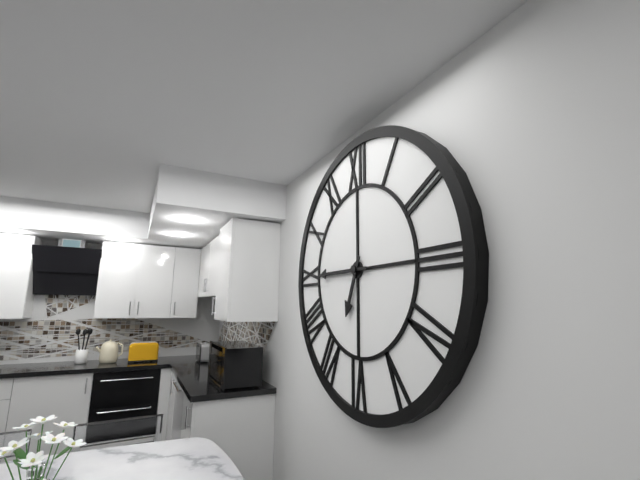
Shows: 6:45
